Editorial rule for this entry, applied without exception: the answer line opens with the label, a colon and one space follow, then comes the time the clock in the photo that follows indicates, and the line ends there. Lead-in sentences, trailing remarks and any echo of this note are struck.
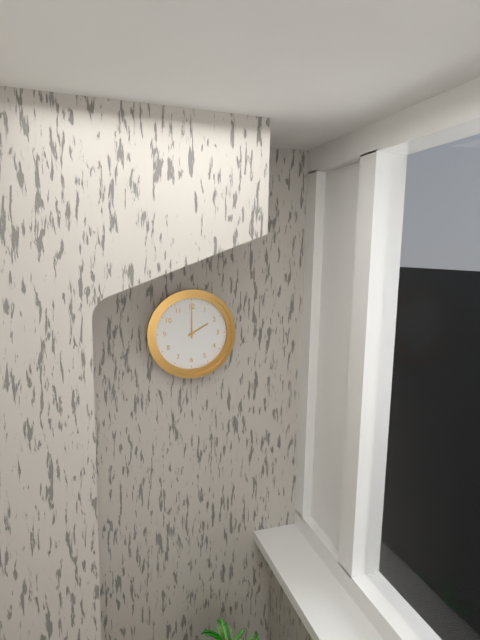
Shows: 2:00
